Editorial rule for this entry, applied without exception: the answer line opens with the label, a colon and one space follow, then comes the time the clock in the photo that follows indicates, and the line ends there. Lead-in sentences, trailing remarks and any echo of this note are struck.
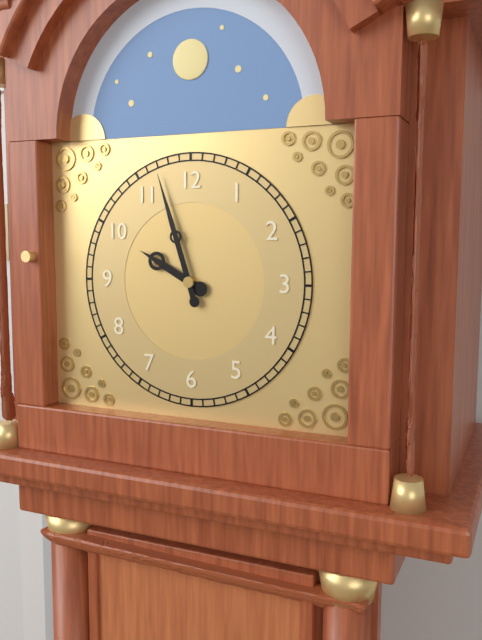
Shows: 9:57
